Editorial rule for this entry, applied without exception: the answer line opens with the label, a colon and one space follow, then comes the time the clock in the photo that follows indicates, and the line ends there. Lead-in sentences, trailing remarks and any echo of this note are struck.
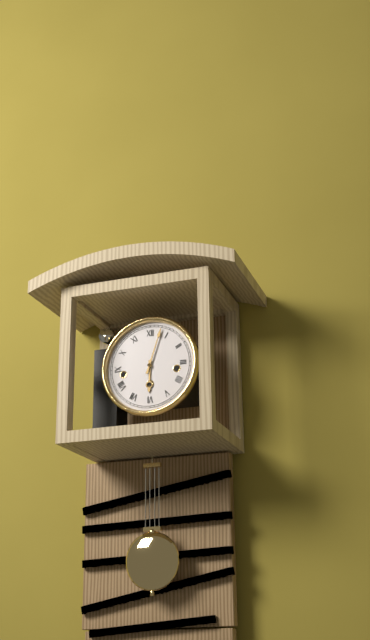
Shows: 6:03
